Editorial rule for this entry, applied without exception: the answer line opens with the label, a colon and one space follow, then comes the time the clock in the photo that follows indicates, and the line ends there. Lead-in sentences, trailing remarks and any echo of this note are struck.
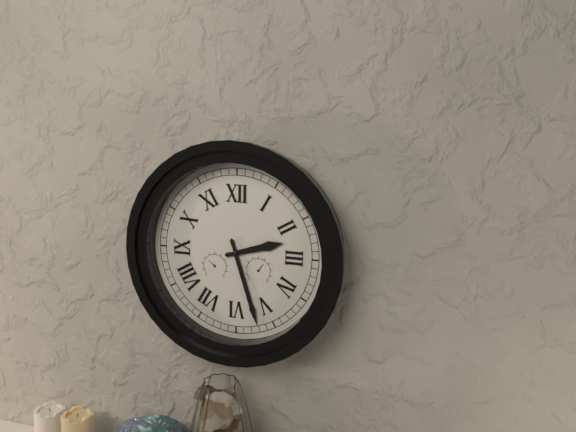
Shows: 2:27
